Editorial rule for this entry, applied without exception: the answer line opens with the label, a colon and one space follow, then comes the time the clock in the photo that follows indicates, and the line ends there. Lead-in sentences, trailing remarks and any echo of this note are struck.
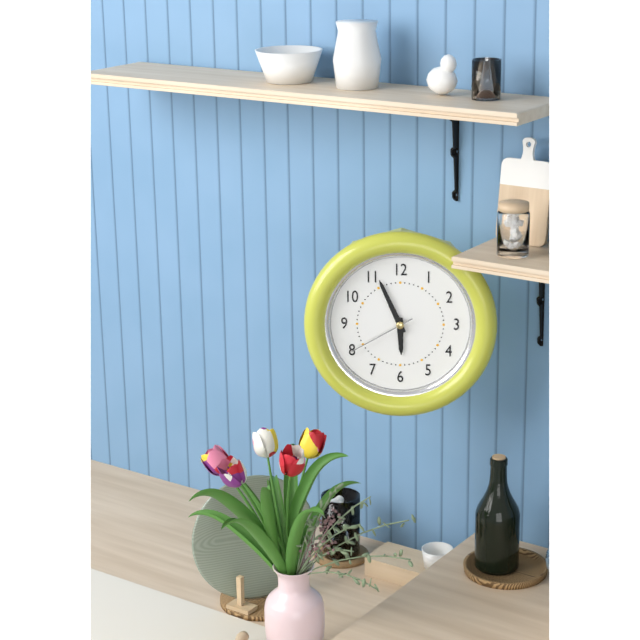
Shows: 5:56:40
